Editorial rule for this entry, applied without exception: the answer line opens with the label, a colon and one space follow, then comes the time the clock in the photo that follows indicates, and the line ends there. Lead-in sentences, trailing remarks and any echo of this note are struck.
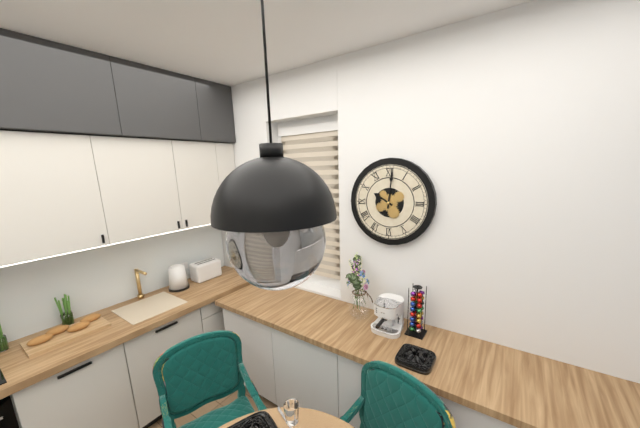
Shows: 10:01
